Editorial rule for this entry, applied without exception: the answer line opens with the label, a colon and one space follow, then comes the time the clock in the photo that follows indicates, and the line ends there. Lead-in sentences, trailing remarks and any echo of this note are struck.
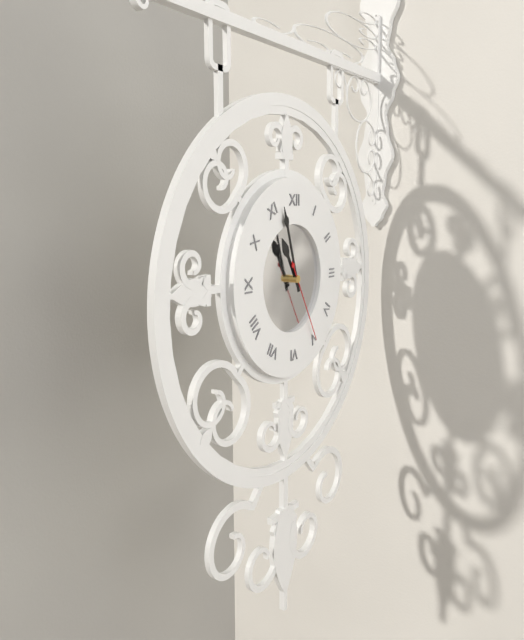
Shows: 10:57:25
